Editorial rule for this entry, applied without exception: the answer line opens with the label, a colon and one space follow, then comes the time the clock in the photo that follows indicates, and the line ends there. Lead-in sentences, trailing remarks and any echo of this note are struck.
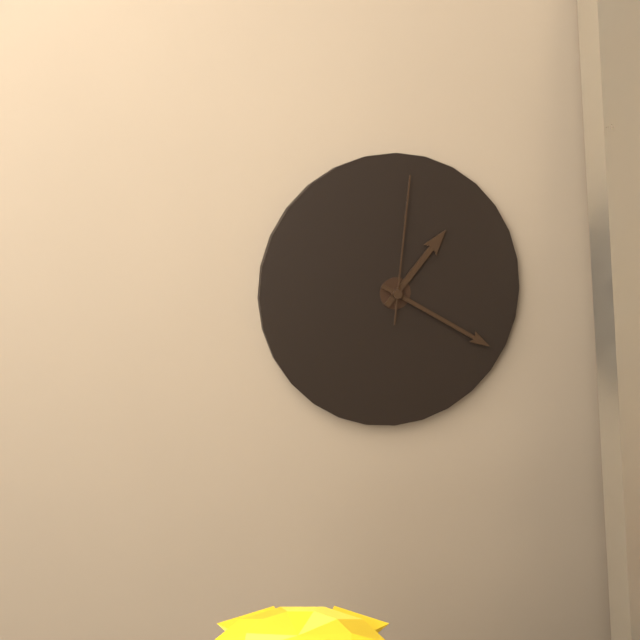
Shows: 1:20:01
